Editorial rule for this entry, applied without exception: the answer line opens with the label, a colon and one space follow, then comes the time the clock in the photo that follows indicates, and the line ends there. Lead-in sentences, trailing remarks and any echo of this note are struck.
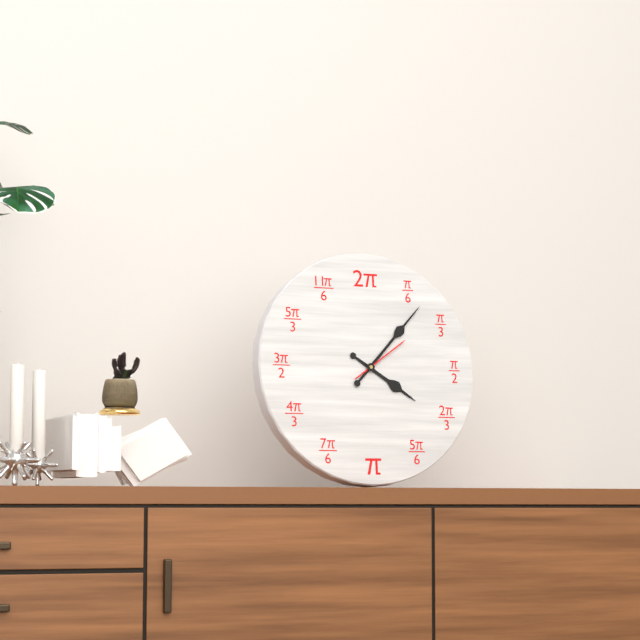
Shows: 4:07:09
